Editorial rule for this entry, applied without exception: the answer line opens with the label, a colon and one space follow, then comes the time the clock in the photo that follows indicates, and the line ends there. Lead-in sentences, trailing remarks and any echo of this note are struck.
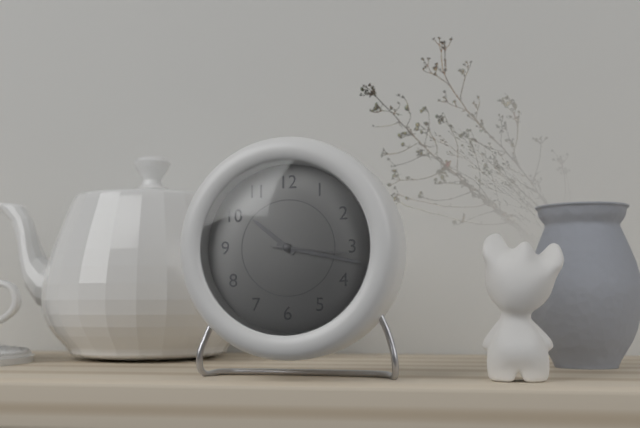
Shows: 10:17:16
